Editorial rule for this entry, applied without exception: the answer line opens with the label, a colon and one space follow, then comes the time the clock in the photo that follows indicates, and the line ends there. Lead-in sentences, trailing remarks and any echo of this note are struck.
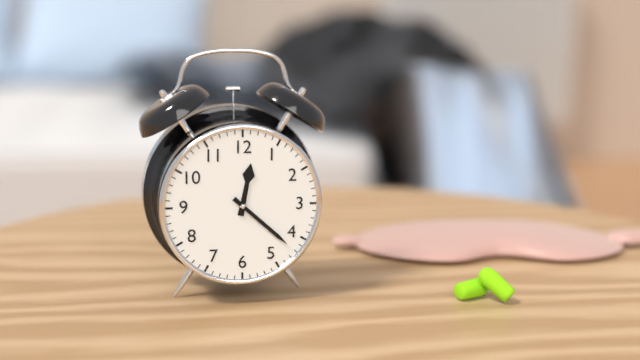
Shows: 12:22
